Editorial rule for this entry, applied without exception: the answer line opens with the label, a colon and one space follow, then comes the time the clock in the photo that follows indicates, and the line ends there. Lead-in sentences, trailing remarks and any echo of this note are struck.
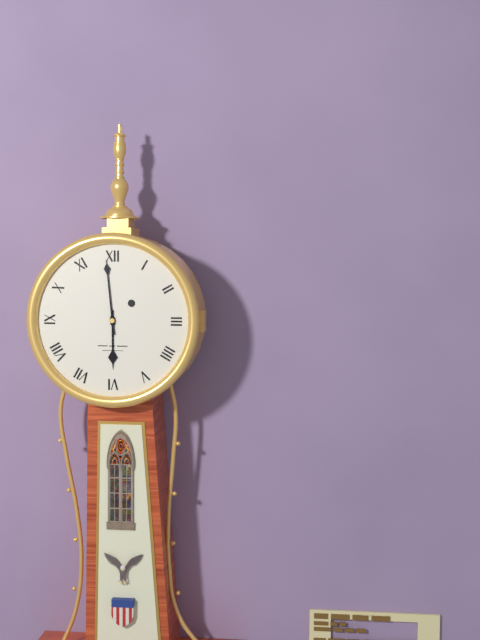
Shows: 5:59
